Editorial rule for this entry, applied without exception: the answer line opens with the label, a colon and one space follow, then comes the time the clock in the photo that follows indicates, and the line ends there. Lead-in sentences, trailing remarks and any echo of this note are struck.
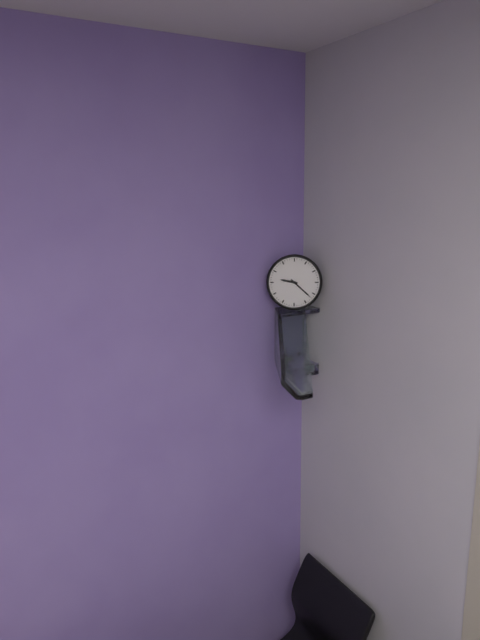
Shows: 9:22
